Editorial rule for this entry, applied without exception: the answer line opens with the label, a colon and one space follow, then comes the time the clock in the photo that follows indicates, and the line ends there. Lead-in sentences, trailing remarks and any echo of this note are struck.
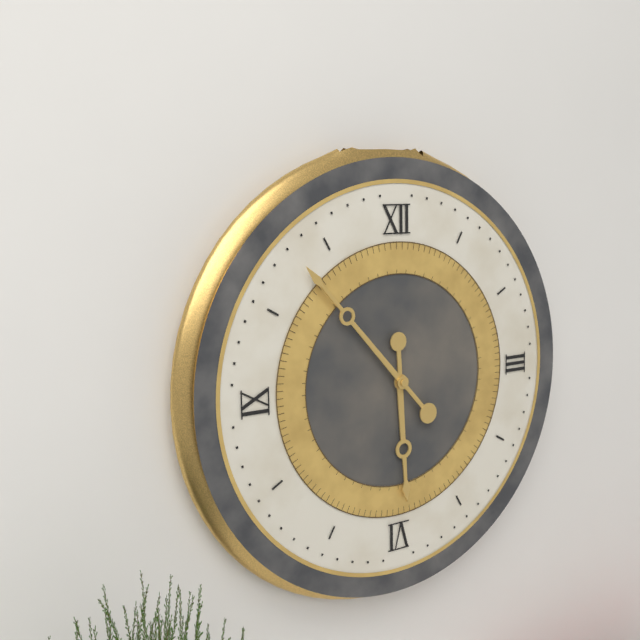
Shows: 5:53
